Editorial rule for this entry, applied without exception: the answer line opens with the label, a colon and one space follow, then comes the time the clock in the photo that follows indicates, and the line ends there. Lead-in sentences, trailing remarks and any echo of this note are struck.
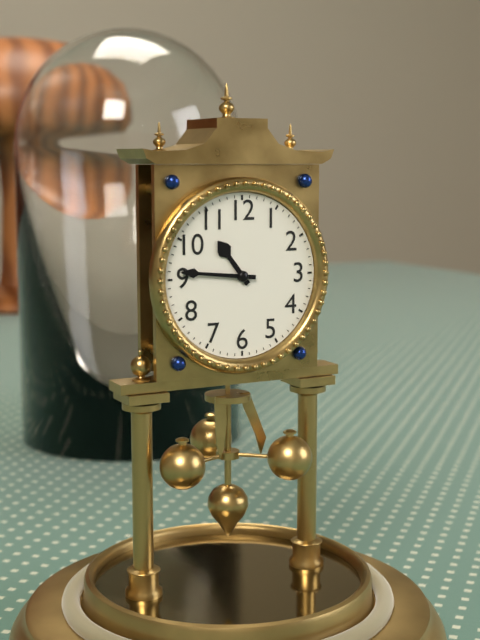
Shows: 10:46
